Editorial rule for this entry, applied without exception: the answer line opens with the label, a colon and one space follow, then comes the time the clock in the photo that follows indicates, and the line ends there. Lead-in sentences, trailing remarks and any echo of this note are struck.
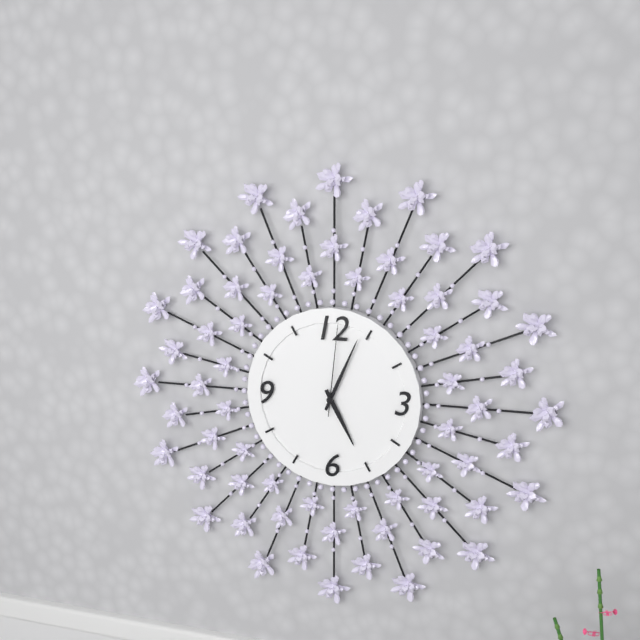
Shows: 5:04:01
